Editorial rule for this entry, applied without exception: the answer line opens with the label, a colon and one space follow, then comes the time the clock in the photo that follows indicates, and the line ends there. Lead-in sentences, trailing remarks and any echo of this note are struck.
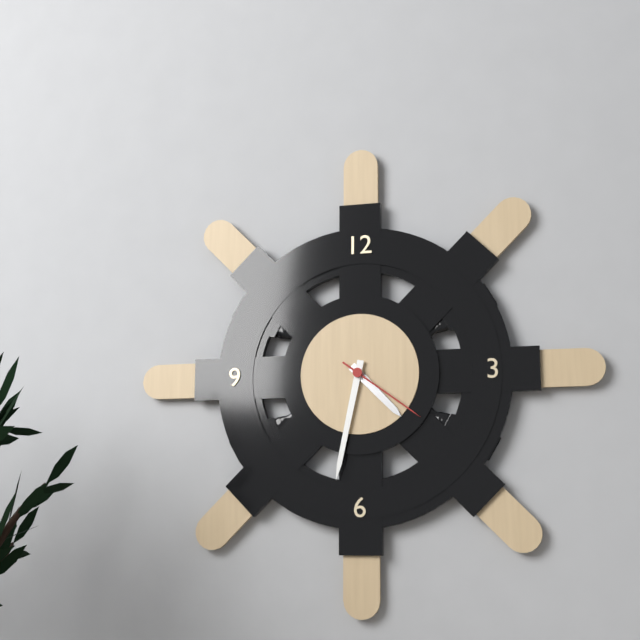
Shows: 4:32:21
